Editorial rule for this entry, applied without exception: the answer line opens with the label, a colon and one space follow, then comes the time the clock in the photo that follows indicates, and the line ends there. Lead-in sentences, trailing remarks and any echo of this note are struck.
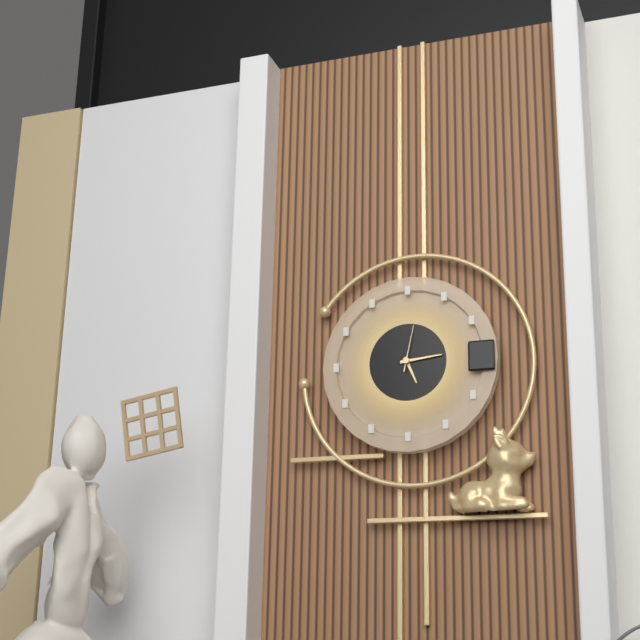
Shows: 5:14
